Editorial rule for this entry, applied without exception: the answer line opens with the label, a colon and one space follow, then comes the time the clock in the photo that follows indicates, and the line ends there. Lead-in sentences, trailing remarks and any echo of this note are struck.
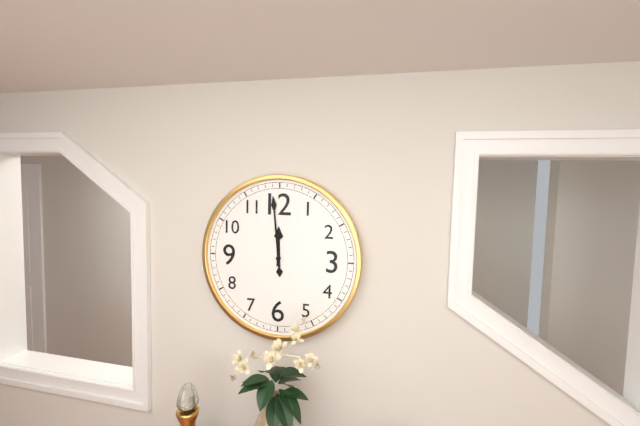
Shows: 11:59
